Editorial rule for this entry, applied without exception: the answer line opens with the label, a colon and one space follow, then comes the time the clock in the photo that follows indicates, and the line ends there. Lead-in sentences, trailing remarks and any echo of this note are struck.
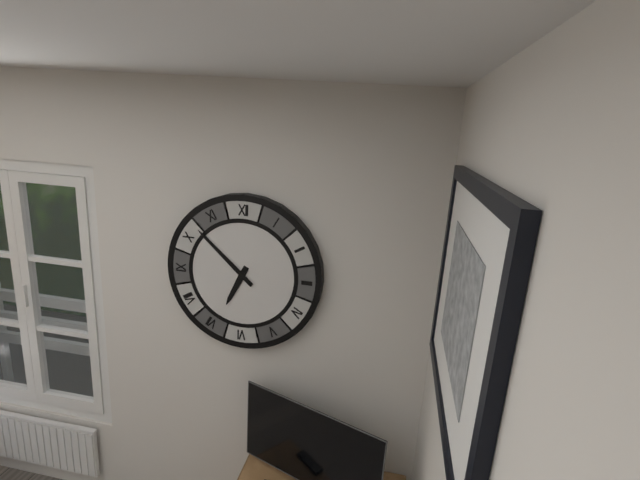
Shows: 6:52
